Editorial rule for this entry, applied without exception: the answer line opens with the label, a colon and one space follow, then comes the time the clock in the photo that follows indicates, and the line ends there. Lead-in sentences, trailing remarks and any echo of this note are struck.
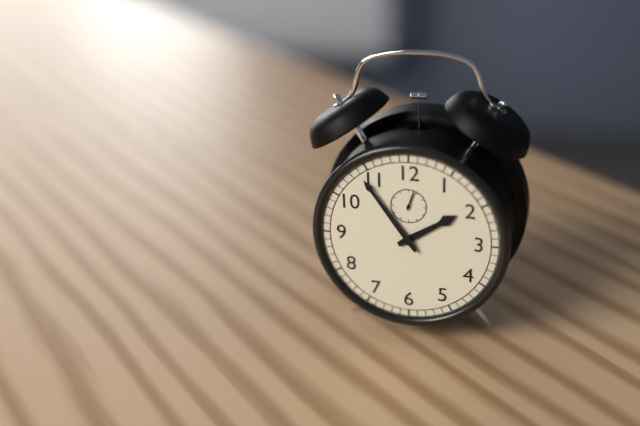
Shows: 1:54
